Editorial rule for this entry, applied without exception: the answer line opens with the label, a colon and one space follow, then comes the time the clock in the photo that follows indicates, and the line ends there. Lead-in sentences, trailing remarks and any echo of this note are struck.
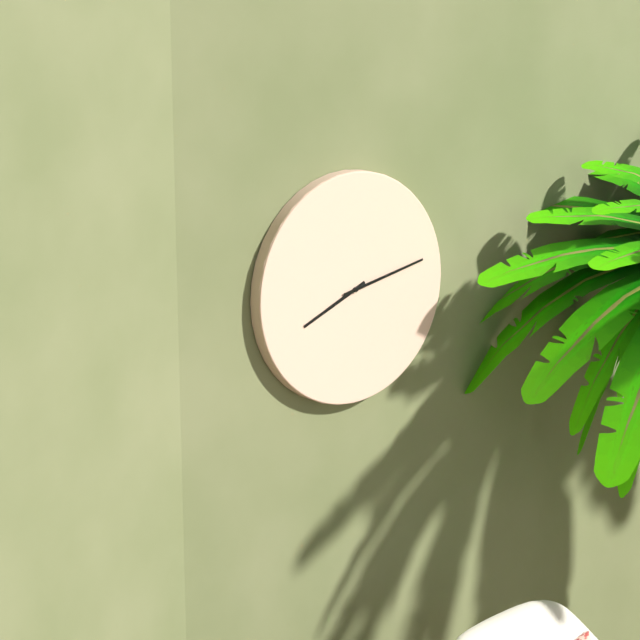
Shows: 8:13
